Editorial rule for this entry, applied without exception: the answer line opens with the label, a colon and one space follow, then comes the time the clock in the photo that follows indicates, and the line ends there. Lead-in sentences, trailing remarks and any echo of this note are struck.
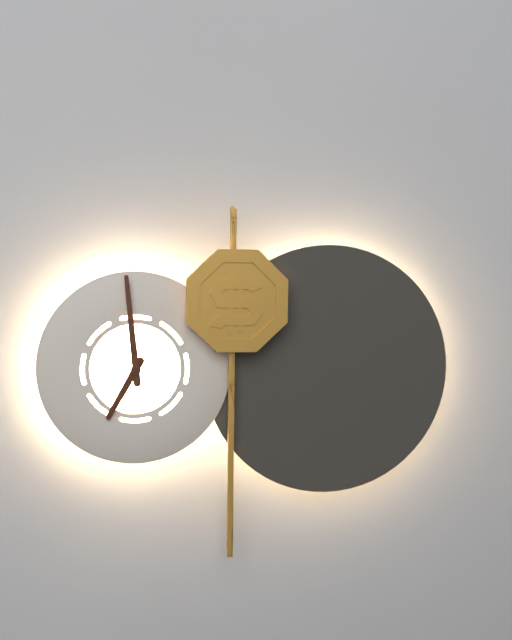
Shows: 6:59
